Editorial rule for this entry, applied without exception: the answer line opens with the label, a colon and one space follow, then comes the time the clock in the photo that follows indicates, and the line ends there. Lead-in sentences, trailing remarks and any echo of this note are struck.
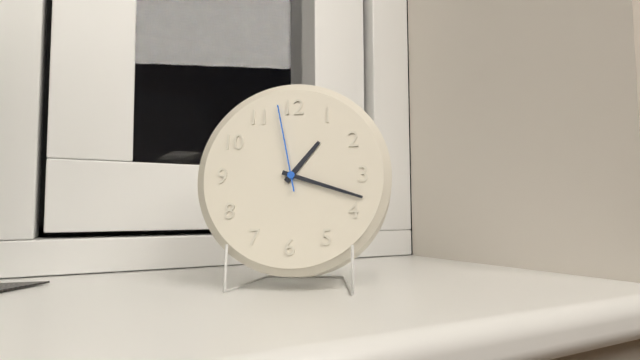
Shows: 1:18:58
